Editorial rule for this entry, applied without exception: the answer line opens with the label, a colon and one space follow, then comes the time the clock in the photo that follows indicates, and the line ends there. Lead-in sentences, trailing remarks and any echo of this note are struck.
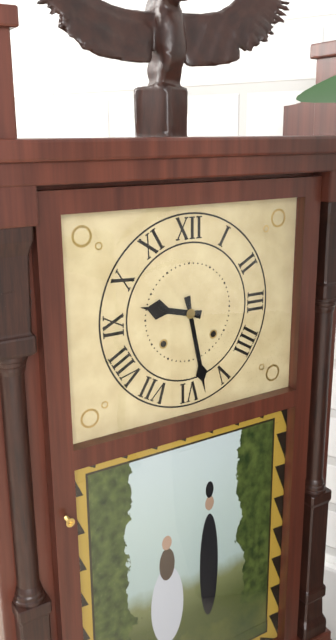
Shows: 9:28
